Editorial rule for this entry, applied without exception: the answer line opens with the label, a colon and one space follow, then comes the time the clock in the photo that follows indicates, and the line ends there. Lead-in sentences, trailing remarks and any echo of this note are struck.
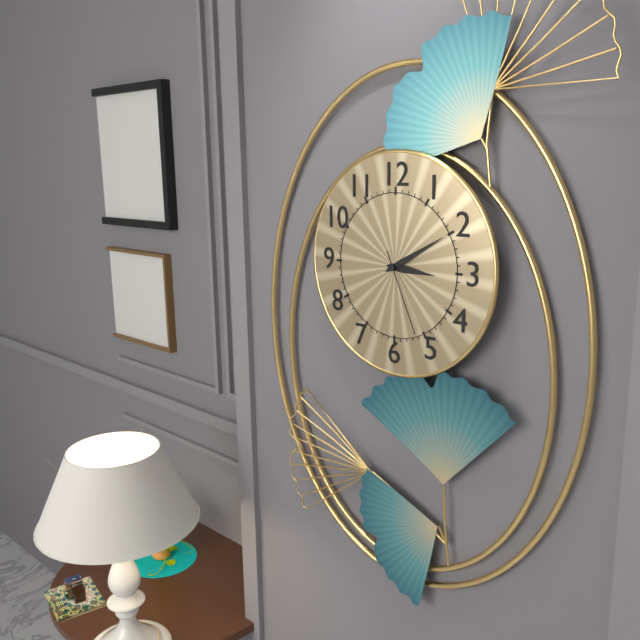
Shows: 3:10:26
